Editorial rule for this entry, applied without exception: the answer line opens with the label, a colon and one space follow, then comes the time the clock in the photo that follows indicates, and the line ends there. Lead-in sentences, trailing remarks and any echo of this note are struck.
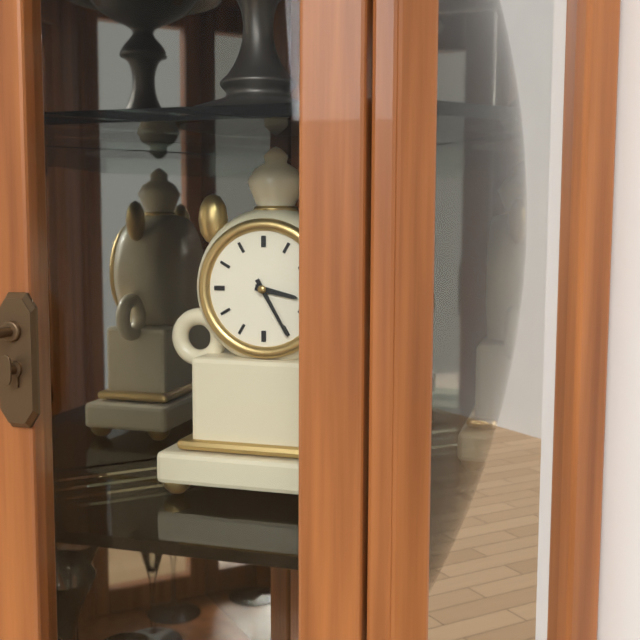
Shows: 3:25
